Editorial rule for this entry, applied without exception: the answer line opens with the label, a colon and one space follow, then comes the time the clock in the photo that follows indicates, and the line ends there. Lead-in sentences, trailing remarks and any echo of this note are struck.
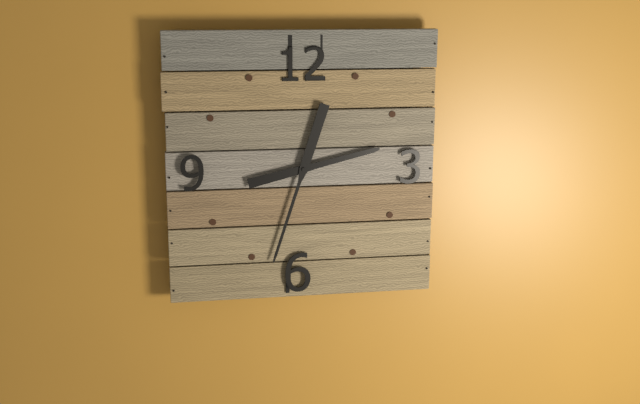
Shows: 2:33
